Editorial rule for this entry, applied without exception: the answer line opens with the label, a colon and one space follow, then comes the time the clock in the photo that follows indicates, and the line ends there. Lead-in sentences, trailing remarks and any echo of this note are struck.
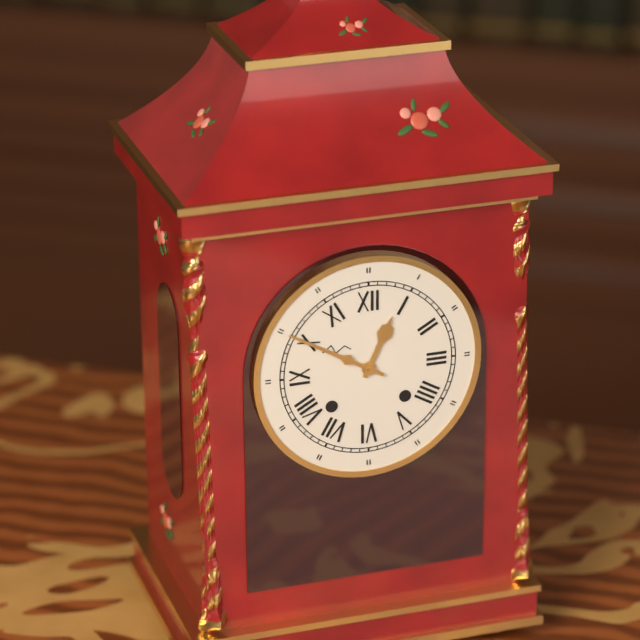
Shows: 12:50
